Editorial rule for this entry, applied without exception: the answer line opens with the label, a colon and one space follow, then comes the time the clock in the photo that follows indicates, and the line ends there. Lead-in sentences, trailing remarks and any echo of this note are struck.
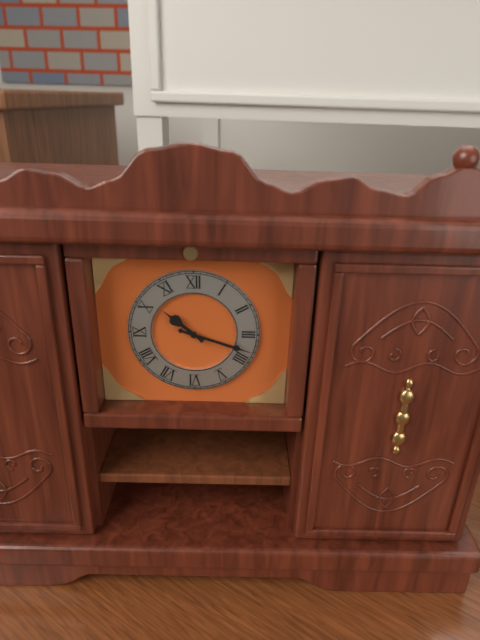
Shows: 10:18
